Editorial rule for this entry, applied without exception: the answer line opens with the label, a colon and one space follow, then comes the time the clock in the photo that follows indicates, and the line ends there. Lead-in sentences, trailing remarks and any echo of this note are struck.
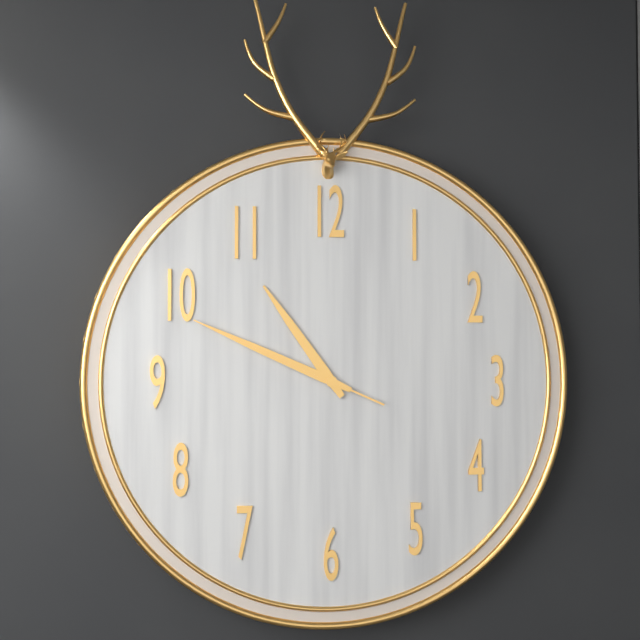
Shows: 10:49:49
